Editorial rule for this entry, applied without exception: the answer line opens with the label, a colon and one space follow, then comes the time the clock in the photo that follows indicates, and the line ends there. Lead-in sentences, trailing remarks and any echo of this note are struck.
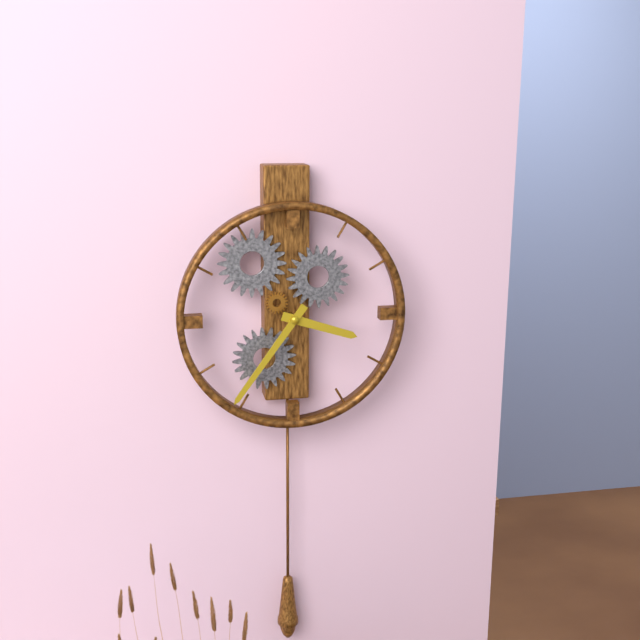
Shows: 3:36
